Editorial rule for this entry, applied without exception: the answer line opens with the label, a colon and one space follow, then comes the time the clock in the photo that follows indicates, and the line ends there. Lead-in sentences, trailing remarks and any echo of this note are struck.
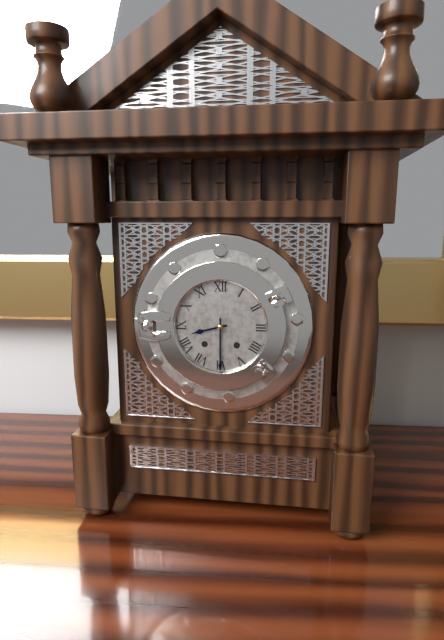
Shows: 8:30
